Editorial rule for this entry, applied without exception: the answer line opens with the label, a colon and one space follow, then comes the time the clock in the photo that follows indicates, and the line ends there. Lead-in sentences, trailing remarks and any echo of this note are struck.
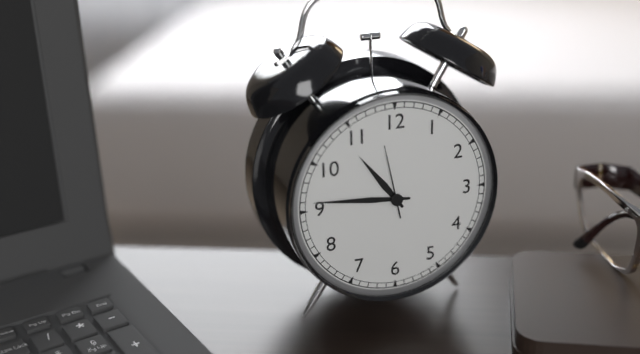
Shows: 10:46:58
